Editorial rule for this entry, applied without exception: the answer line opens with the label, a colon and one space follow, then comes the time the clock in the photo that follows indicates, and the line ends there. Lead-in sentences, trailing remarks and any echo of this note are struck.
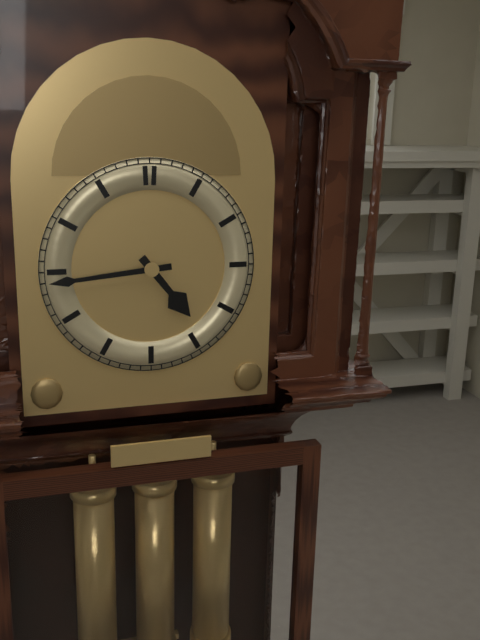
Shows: 4:44
